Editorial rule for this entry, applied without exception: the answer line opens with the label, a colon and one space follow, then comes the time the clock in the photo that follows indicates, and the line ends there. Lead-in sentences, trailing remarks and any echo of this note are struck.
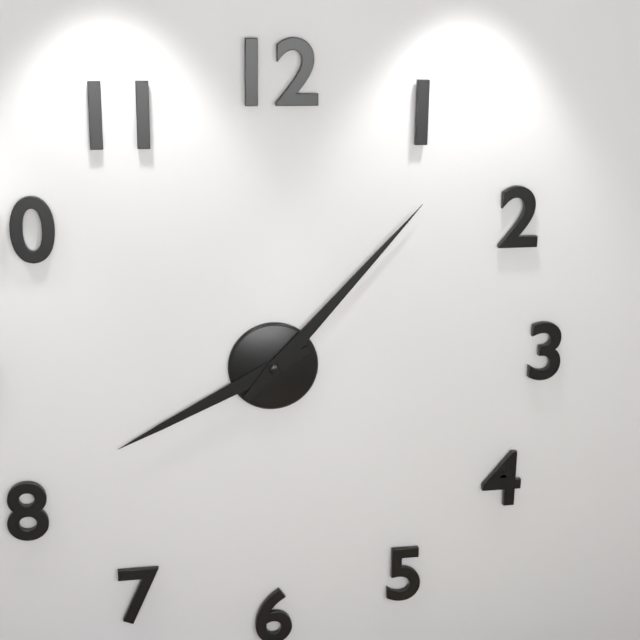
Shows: 8:07
